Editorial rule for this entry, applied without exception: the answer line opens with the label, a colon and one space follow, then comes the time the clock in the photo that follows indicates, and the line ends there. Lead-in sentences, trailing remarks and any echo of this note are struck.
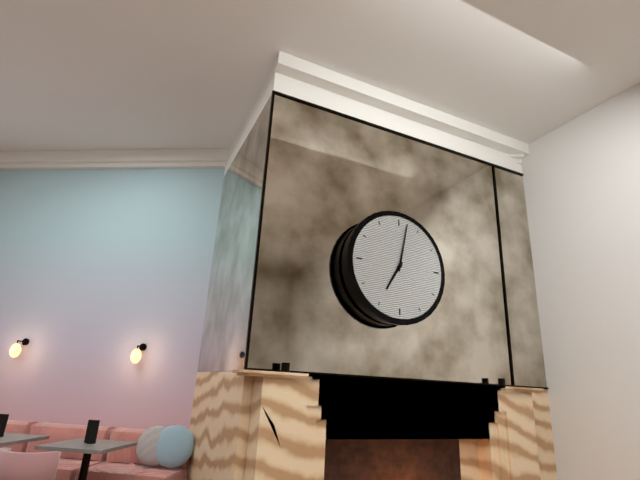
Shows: 7:02
